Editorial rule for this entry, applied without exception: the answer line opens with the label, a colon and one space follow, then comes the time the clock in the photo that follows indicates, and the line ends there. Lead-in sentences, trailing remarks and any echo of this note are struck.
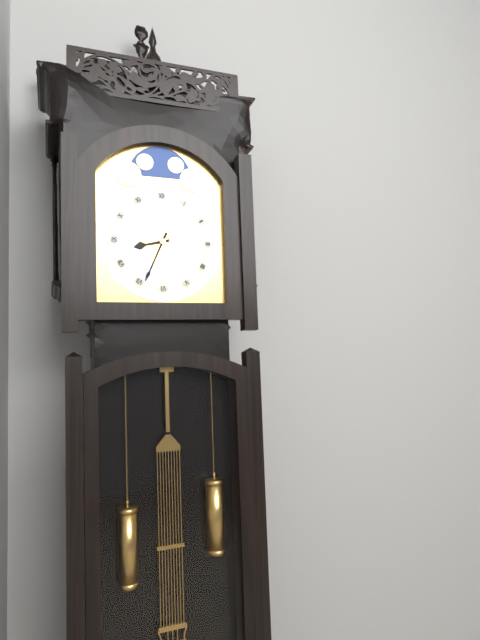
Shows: 8:34
